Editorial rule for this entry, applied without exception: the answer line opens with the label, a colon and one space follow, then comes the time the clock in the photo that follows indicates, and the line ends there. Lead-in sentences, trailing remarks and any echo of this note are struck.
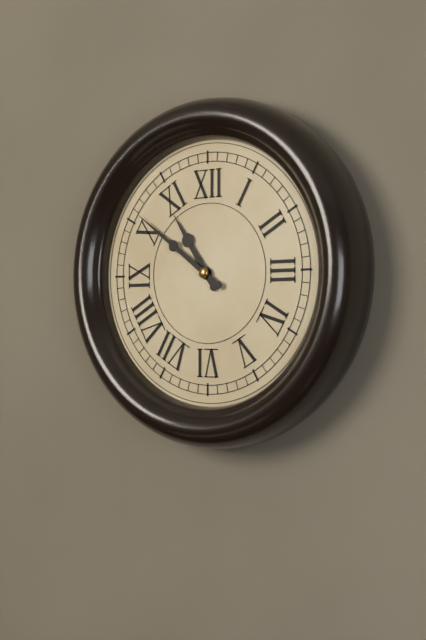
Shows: 10:51
